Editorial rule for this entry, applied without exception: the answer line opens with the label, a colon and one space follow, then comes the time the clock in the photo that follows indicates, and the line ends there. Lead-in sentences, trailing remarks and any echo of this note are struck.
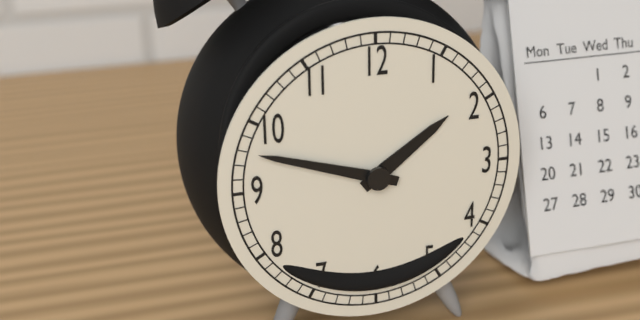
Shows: 1:48
